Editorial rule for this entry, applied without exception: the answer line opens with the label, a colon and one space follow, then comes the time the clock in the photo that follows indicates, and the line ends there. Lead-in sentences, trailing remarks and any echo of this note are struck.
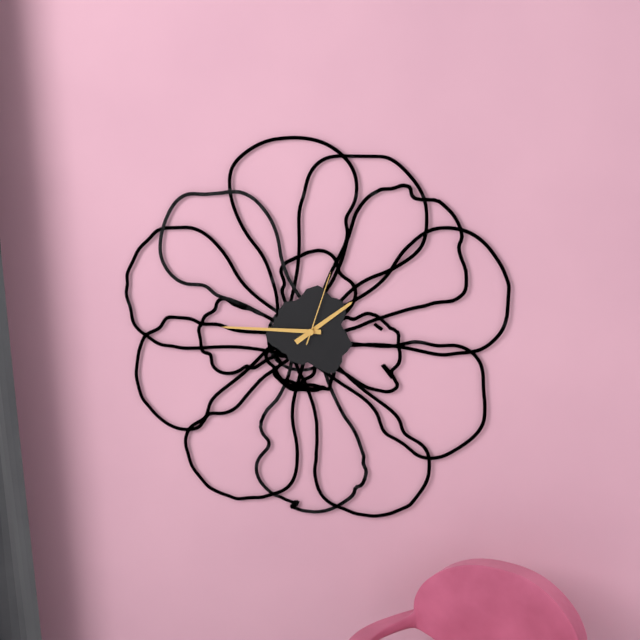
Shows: 1:45:03
